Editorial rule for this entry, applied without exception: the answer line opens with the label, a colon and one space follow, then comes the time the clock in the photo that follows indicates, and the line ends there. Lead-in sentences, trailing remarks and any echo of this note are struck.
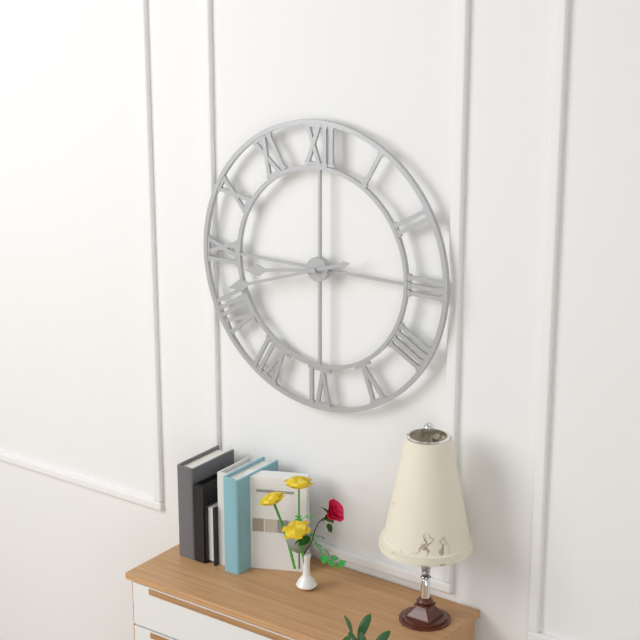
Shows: 8:42
